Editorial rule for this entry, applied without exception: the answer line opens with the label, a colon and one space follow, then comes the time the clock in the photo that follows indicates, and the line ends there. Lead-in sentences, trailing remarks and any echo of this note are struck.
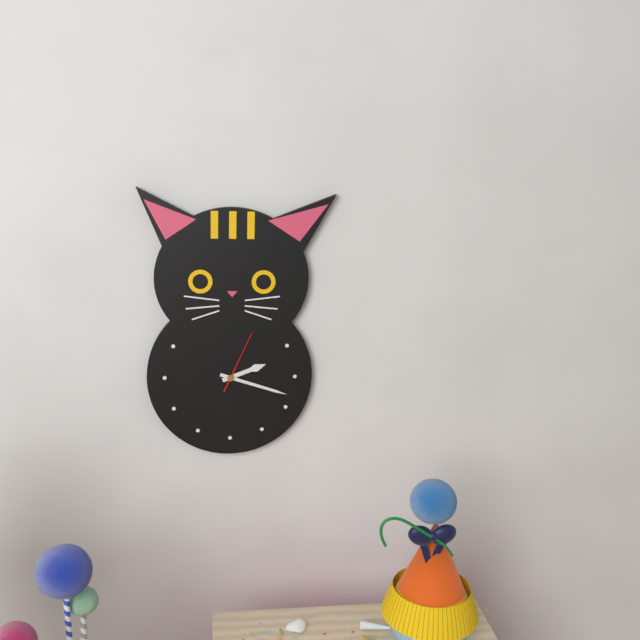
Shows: 2:18:04
